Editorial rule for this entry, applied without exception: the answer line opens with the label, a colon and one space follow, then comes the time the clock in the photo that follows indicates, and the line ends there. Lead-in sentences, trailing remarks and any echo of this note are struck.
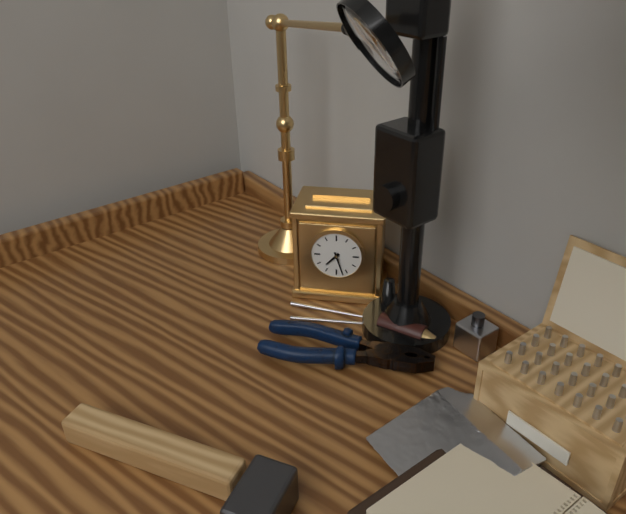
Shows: 7:27
